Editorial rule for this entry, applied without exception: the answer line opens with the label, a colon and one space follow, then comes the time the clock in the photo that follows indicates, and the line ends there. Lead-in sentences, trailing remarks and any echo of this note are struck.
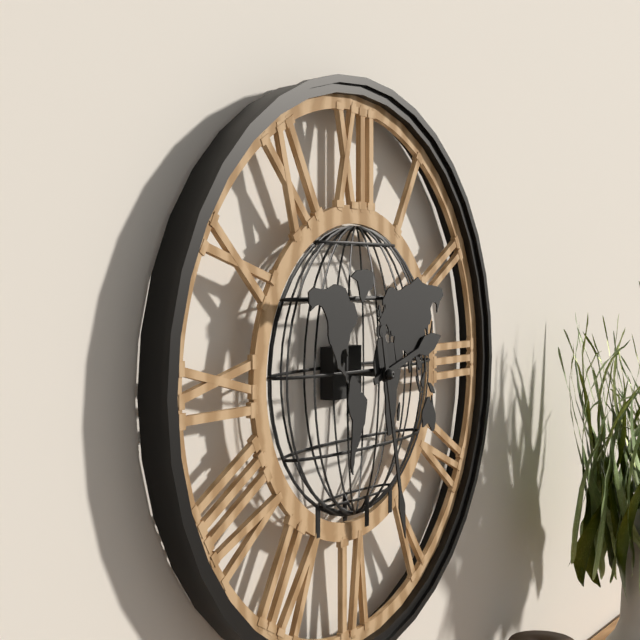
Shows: 2:28
